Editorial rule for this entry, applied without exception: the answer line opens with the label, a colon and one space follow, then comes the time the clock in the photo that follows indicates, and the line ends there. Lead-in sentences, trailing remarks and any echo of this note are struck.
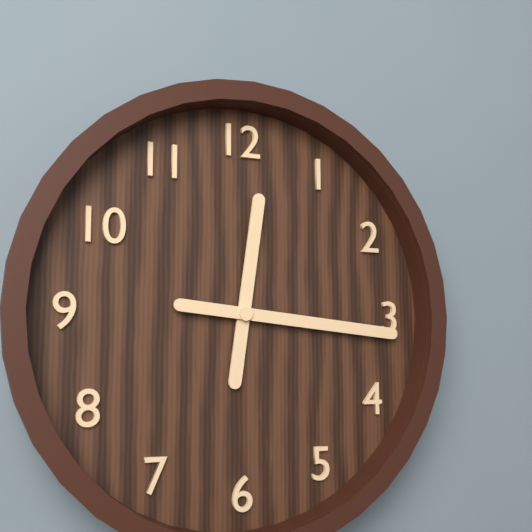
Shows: 12:16
